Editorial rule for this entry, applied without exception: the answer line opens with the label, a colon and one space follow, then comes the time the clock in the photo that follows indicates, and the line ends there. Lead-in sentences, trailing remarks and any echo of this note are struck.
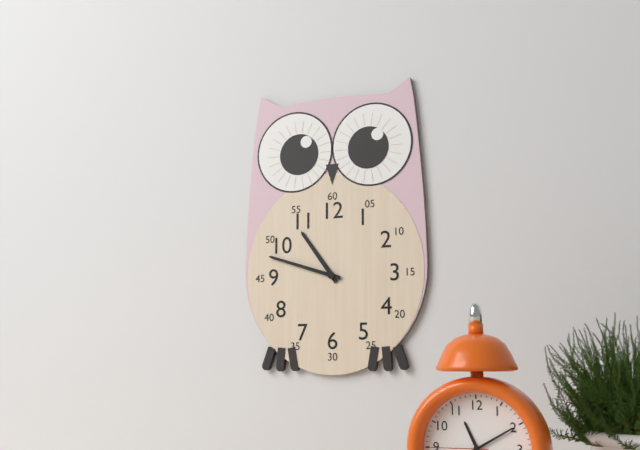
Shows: 10:48
